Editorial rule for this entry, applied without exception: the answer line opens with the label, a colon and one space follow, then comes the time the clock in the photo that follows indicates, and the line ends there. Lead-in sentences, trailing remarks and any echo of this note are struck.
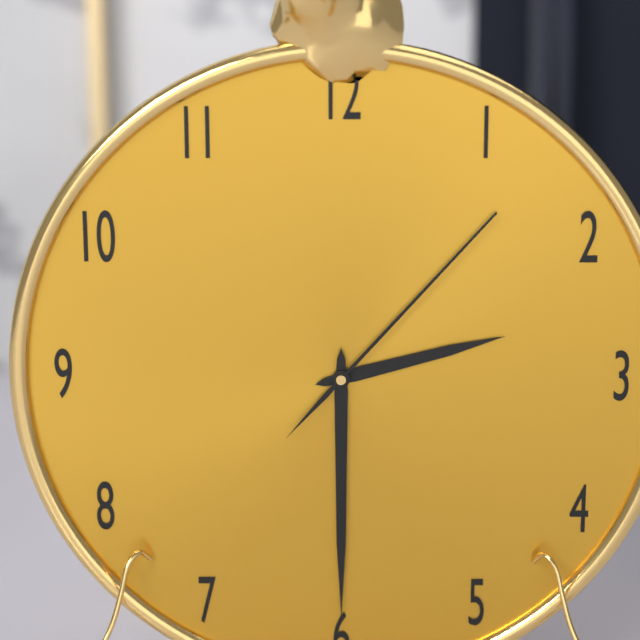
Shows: 2:30:07
